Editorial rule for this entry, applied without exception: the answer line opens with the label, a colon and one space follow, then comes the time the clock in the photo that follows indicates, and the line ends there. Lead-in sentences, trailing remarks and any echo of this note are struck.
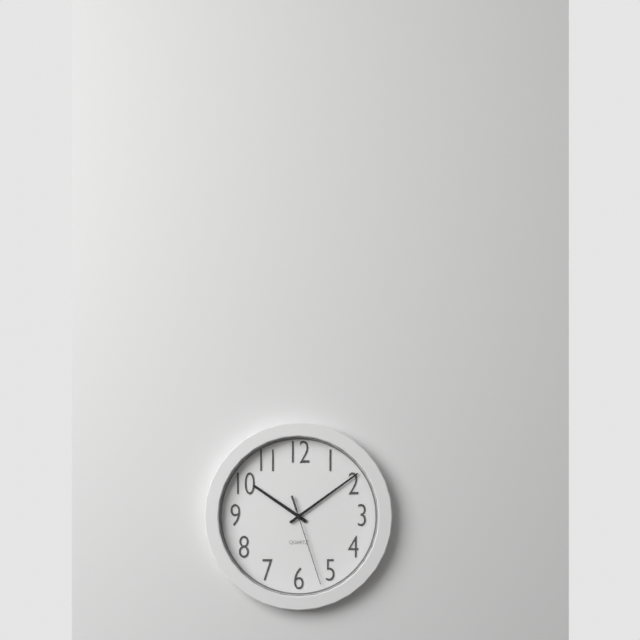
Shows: 10:09:27
